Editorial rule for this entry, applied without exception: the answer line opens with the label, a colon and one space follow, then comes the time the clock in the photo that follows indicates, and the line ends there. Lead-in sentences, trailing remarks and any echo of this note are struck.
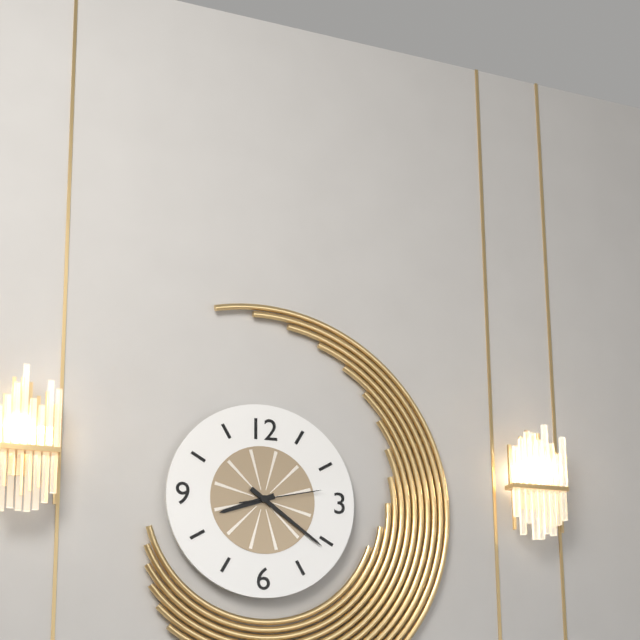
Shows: 8:21:13
